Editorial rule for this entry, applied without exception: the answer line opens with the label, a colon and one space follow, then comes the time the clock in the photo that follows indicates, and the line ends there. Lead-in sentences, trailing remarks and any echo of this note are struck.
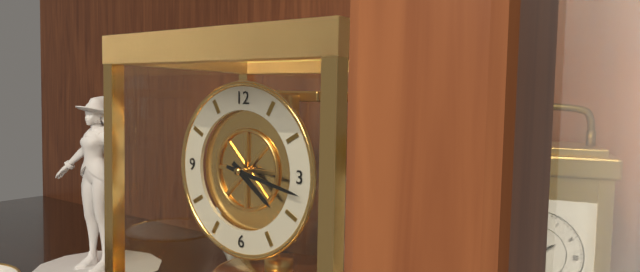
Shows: 4:17
